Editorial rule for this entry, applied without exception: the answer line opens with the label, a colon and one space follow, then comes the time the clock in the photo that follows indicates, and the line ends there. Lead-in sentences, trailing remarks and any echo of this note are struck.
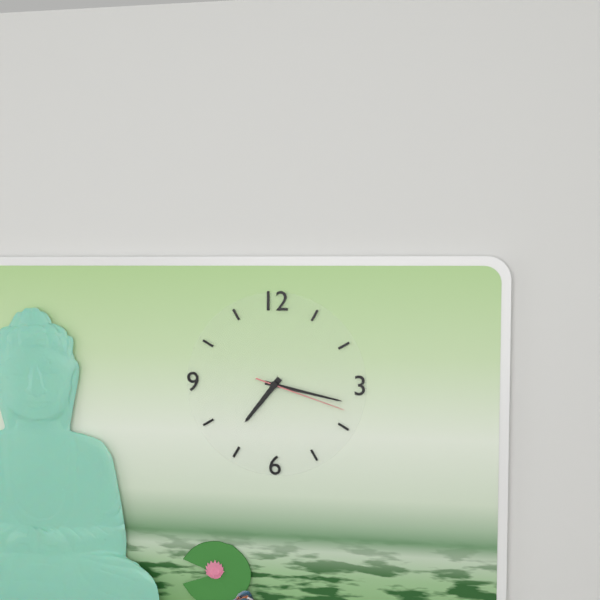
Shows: 7:17:18
